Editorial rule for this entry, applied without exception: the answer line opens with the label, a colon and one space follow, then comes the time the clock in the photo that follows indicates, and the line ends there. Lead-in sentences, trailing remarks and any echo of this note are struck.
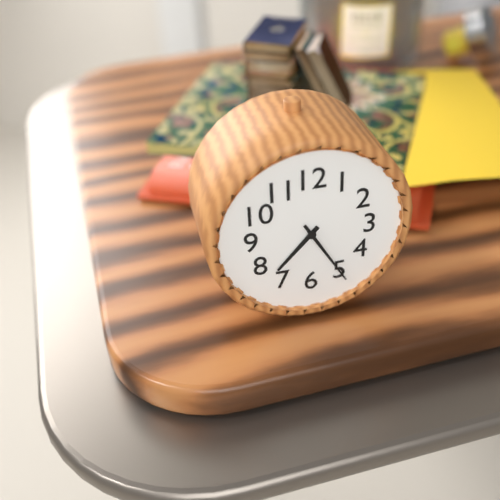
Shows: 7:25
